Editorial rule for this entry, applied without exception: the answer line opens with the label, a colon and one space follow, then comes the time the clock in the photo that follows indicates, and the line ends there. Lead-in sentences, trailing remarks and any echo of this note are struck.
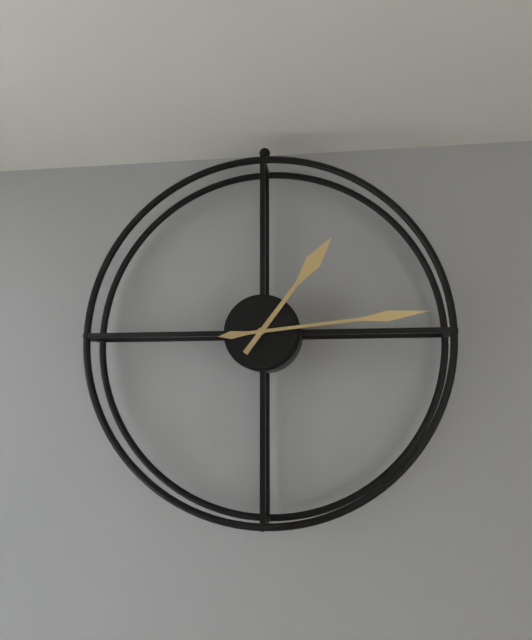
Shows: 1:14
